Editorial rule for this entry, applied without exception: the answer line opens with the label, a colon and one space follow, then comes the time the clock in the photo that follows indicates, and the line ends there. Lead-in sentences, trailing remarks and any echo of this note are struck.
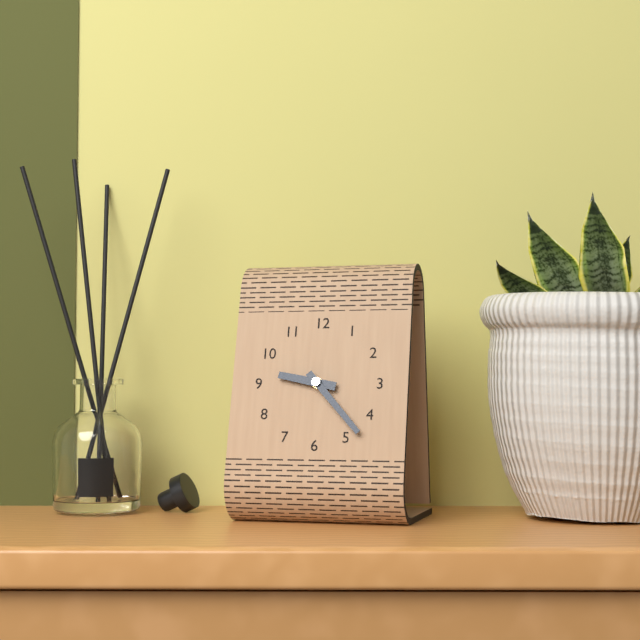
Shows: 9:23
